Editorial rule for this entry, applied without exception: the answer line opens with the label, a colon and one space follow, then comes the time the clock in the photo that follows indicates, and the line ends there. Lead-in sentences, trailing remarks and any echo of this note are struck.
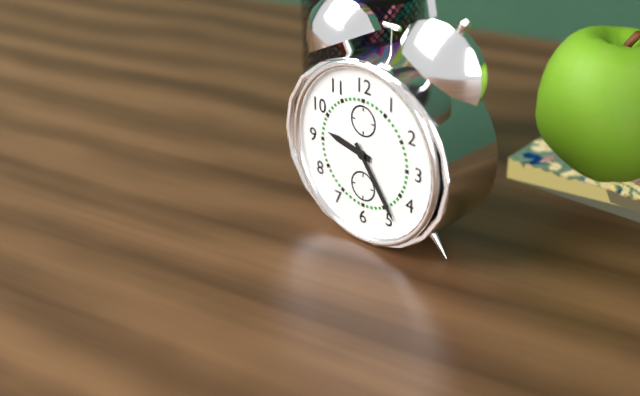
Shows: 9:24
